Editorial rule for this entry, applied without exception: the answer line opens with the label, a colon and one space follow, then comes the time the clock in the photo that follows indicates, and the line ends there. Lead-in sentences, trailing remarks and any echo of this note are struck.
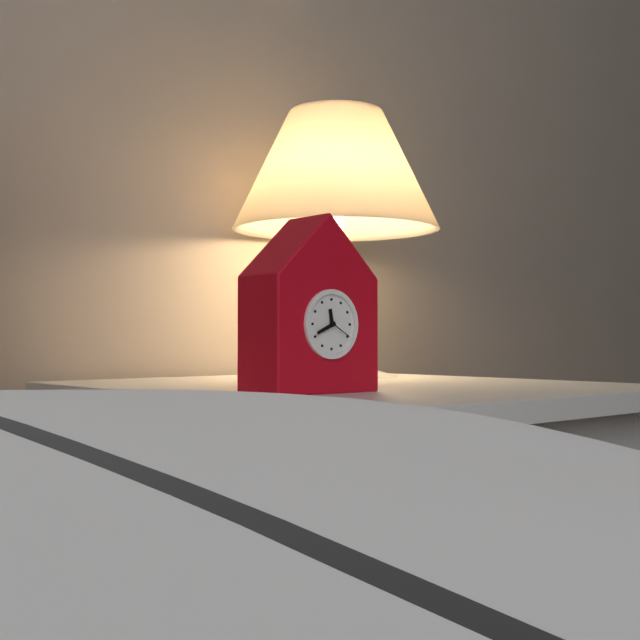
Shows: 11:41
